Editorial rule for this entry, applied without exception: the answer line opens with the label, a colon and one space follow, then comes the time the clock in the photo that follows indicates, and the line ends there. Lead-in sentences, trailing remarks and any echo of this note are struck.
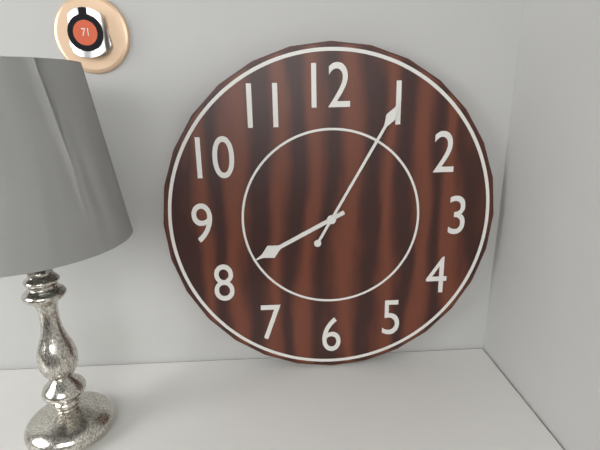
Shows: 8:05
